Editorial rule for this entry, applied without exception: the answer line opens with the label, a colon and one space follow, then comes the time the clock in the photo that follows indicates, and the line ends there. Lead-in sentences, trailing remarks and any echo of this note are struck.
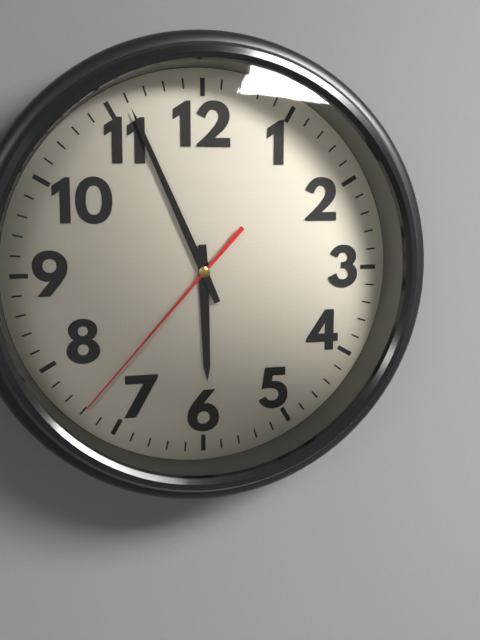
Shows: 5:56:37
